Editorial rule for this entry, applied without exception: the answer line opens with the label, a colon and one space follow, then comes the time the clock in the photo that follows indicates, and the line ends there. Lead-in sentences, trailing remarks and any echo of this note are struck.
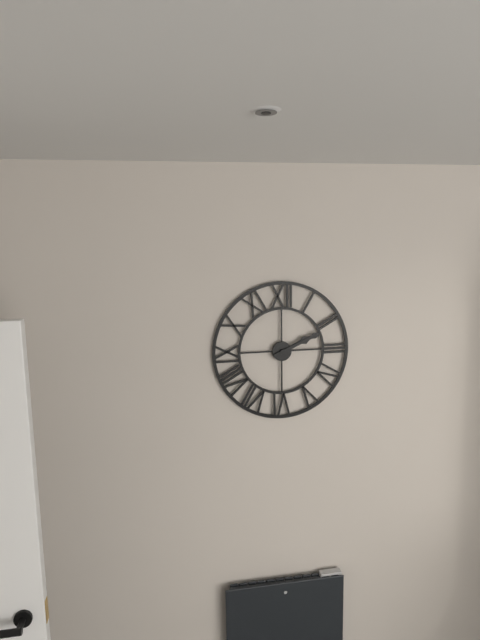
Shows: 2:11
